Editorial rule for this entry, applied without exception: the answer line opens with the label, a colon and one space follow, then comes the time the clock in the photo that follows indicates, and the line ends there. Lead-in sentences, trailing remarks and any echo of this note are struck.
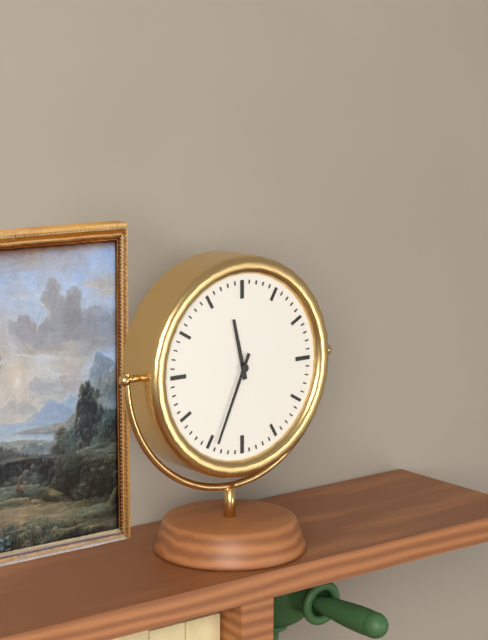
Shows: 11:34
